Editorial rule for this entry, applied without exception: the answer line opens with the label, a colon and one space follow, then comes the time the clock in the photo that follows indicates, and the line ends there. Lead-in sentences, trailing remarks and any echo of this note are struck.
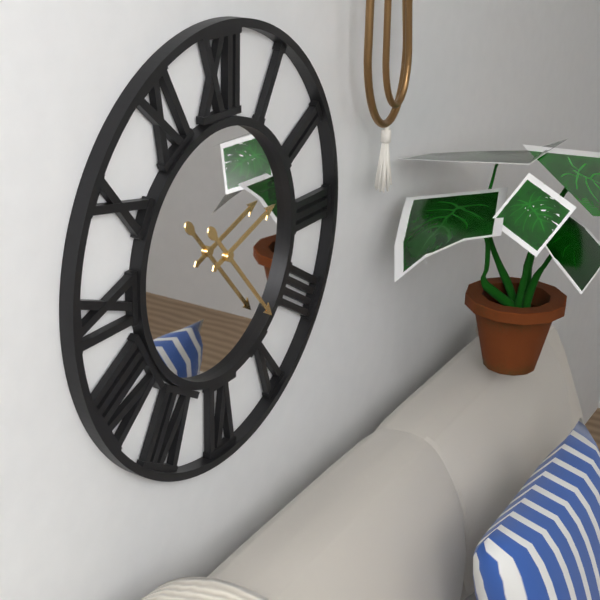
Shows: 2:23
